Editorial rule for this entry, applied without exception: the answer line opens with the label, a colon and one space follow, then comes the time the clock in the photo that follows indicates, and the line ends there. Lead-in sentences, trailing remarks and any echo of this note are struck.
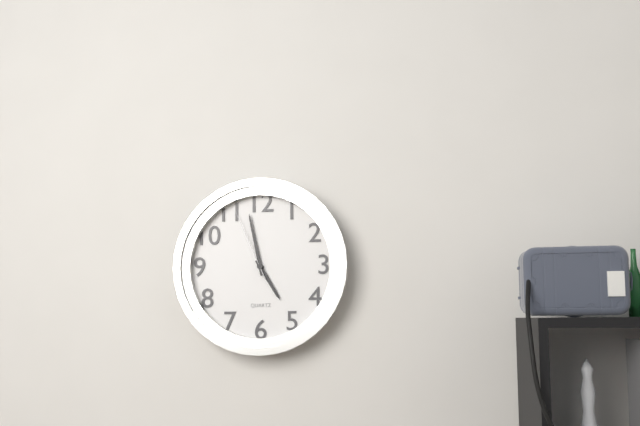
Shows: 4:58:56
